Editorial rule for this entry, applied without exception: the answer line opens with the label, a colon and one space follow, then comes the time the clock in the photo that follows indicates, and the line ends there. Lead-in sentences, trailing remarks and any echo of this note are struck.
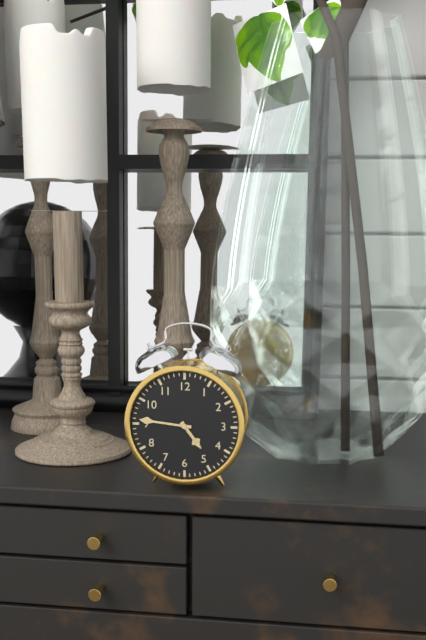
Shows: 4:46
